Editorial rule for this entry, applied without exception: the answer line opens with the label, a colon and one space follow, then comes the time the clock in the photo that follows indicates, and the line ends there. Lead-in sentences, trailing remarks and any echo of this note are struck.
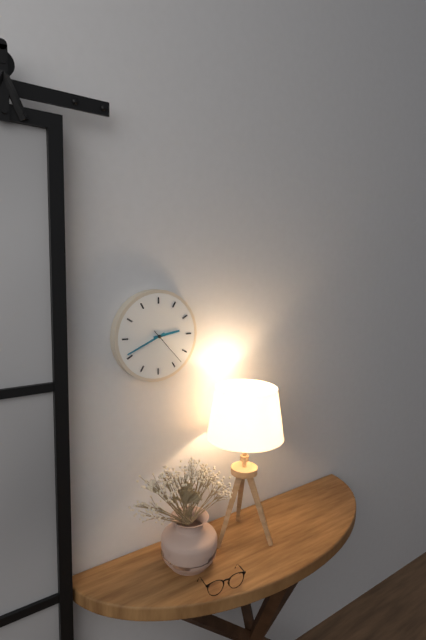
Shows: 2:41
